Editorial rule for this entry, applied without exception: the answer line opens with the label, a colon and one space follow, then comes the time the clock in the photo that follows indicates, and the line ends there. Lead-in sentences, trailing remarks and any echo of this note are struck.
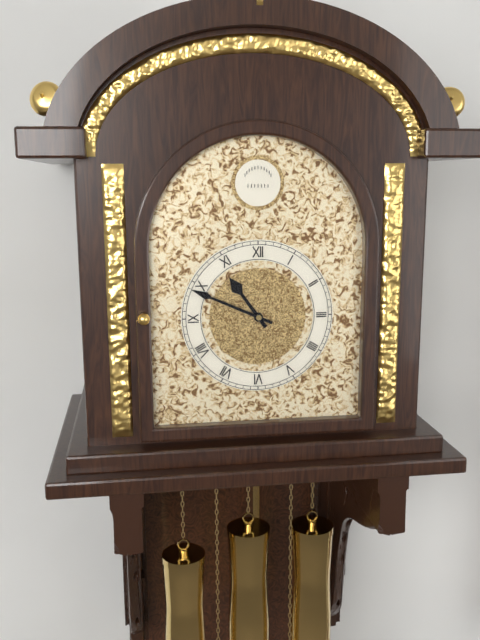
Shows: 10:49
